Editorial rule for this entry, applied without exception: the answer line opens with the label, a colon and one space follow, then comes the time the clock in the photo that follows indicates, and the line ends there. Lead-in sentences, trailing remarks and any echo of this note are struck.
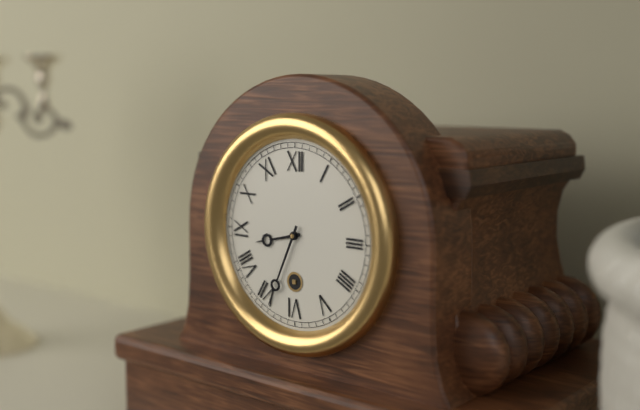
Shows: 8:34
